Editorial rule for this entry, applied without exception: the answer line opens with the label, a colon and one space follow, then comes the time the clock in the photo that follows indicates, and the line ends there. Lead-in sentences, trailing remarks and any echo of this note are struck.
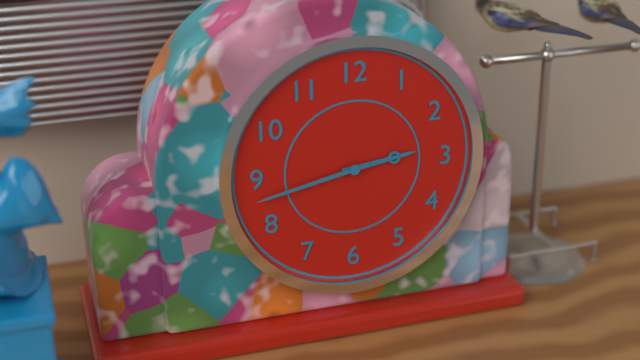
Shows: 2:43
